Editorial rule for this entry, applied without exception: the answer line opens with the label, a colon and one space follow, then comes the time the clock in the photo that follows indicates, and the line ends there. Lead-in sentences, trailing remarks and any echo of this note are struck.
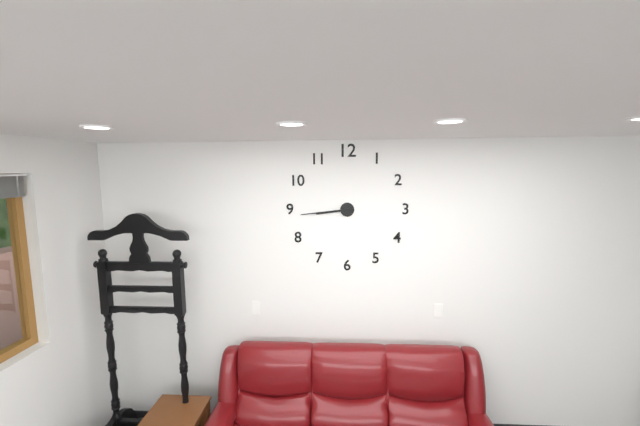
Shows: 8:44
